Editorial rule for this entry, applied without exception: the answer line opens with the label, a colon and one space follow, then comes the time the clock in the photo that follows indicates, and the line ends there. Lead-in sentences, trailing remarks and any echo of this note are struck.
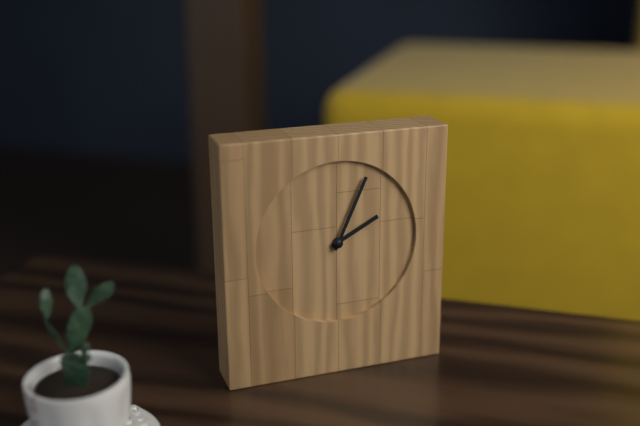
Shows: 2:04
